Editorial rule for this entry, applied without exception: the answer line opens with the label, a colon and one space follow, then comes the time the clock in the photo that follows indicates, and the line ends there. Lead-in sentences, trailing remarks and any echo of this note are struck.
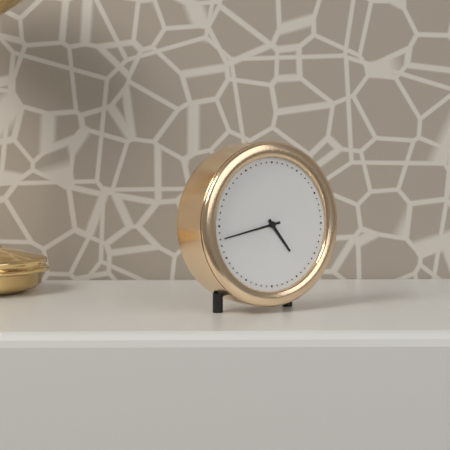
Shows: 4:43
